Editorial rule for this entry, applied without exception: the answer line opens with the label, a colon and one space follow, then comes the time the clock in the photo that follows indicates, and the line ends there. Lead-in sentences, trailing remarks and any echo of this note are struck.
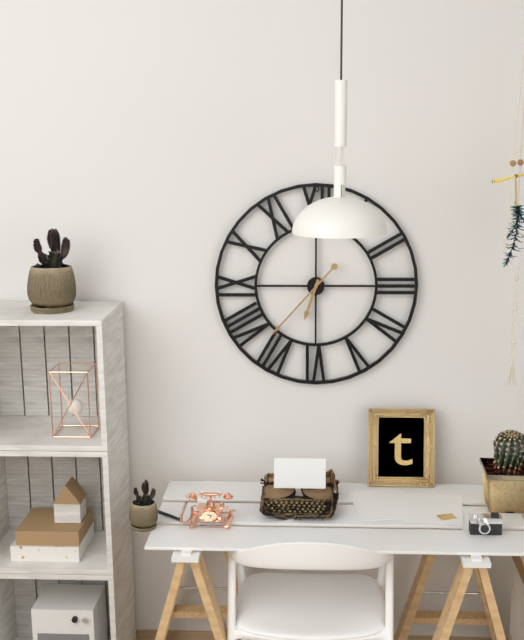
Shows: 6:37
